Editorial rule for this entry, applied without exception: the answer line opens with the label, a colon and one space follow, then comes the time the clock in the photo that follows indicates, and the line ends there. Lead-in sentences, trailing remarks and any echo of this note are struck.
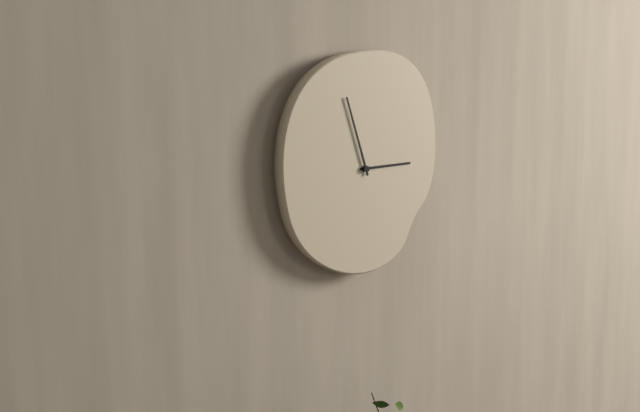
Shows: 2:57
